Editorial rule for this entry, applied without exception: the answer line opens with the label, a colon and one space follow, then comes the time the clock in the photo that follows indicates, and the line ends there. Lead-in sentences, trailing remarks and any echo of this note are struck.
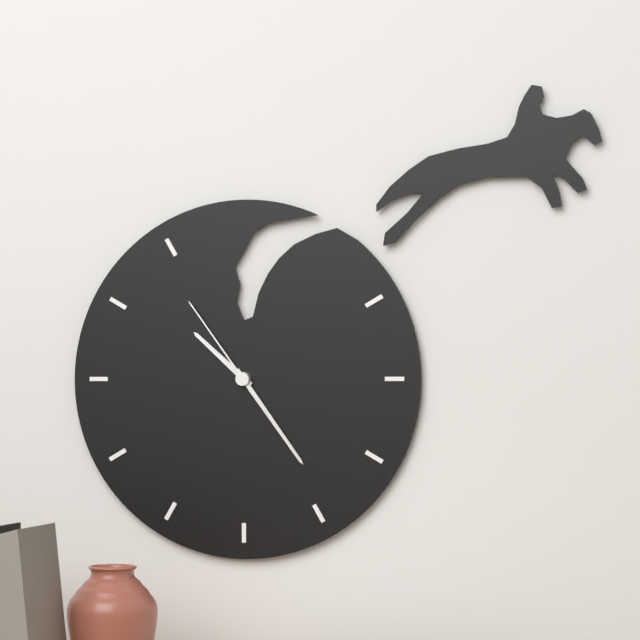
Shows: 10:24:54
